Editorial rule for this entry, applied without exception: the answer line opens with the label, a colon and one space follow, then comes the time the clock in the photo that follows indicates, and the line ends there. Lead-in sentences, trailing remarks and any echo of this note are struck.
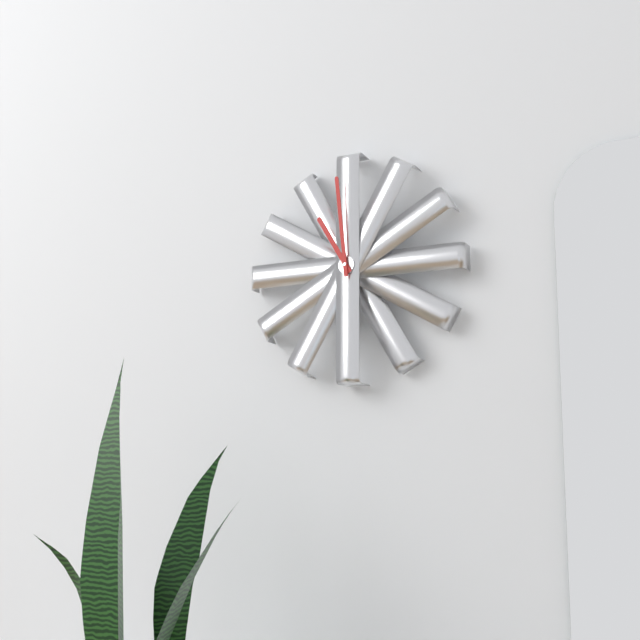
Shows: 10:59
